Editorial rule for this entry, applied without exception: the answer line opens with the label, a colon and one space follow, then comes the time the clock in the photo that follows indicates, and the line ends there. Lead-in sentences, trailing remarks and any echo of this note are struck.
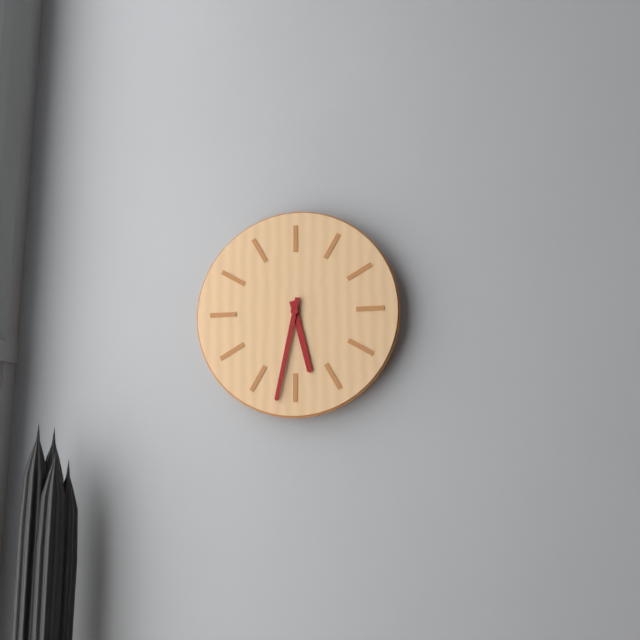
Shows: 5:32
